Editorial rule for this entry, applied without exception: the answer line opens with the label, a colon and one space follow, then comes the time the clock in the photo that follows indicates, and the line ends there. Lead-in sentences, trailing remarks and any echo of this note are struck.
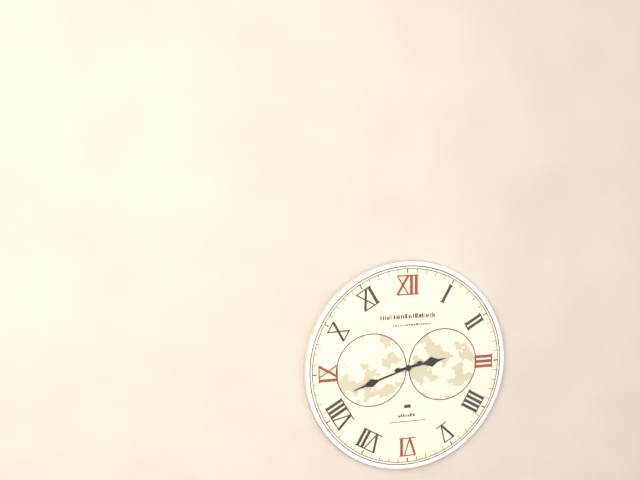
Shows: 2:42
